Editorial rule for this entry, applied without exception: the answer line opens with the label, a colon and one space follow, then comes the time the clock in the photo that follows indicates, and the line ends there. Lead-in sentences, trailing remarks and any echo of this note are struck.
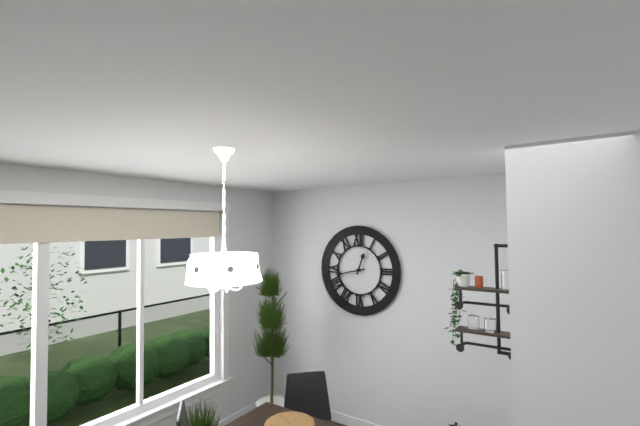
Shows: 12:43
